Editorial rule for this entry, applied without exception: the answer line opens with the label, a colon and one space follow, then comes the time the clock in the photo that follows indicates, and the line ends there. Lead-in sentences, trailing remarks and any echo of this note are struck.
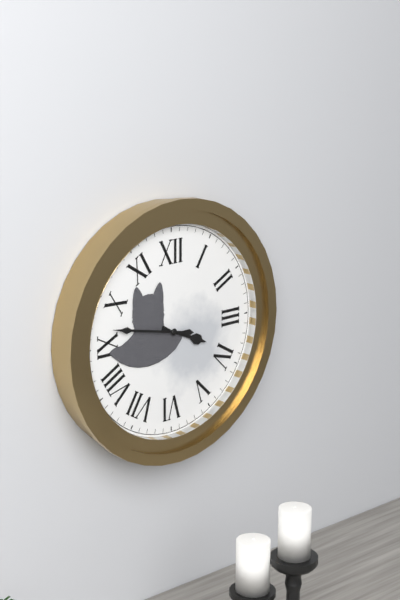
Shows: 3:47
